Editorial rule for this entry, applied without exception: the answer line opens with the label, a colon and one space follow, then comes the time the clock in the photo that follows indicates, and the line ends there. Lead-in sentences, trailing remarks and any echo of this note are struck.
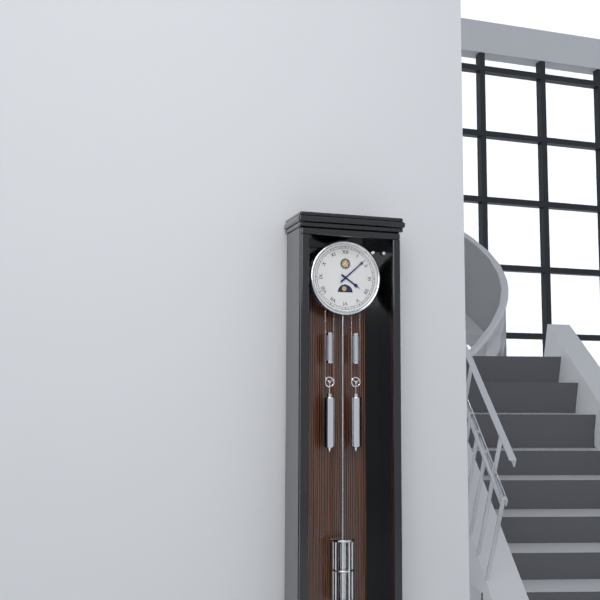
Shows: 4:08
